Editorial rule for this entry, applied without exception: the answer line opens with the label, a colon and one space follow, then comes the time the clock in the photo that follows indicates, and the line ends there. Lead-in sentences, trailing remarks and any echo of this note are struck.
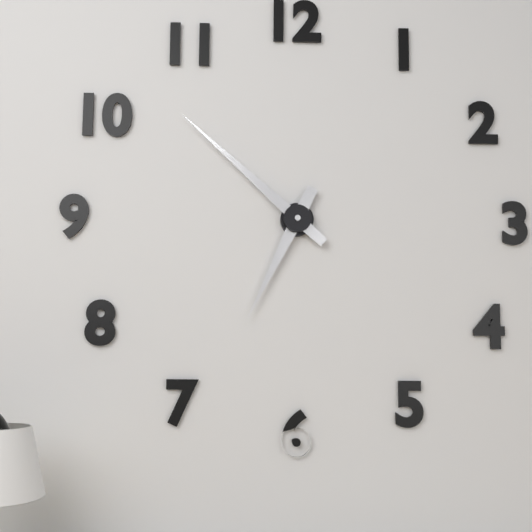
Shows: 6:52
